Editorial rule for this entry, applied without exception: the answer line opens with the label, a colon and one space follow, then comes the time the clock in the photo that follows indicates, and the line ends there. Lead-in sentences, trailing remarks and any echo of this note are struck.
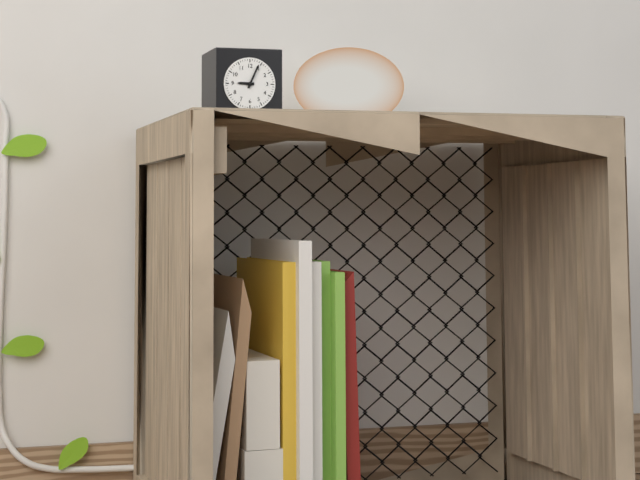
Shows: 9:04
